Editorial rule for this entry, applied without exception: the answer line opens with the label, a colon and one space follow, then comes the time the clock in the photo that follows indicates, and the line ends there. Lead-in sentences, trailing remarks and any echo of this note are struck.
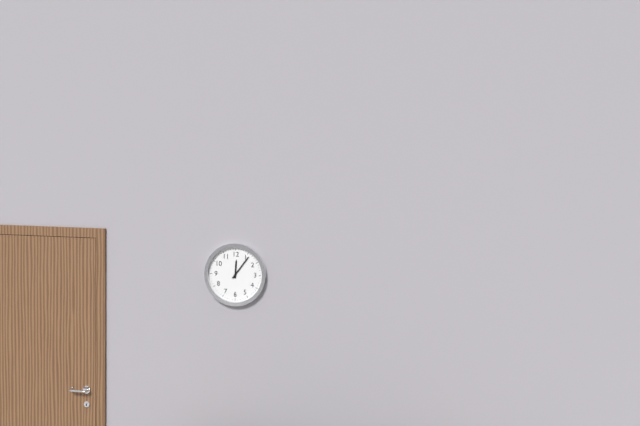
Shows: 12:06
